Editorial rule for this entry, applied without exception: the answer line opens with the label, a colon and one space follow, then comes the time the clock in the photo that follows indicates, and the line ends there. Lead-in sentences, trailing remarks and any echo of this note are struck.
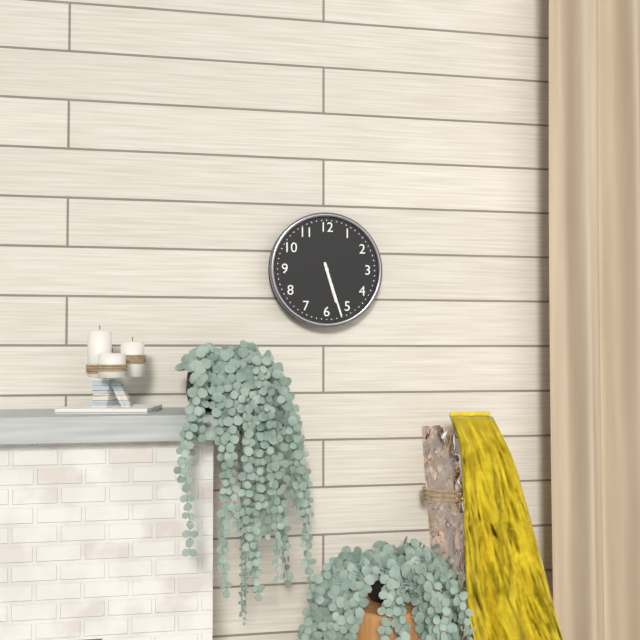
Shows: 5:27
